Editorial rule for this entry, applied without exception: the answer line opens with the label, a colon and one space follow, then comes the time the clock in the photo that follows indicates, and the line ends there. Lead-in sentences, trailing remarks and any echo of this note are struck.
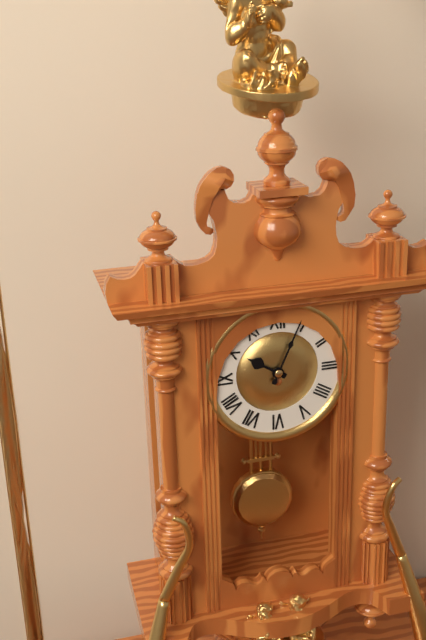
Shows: 10:04
